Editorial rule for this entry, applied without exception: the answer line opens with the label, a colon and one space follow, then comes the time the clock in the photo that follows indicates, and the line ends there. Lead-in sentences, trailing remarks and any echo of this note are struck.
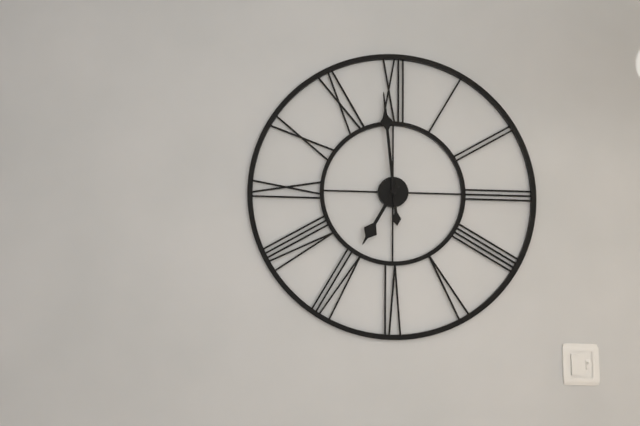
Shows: 6:59
